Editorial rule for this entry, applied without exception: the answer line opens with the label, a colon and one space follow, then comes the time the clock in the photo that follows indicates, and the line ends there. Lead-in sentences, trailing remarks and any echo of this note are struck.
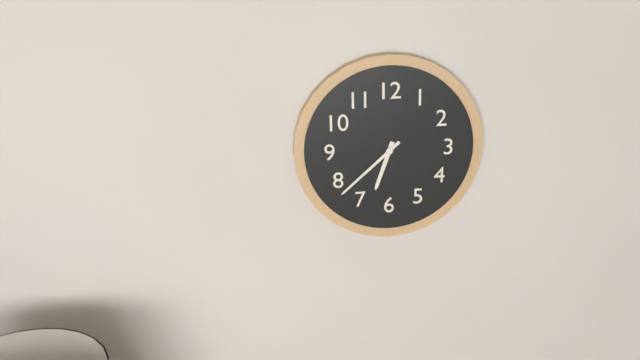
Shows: 6:38
